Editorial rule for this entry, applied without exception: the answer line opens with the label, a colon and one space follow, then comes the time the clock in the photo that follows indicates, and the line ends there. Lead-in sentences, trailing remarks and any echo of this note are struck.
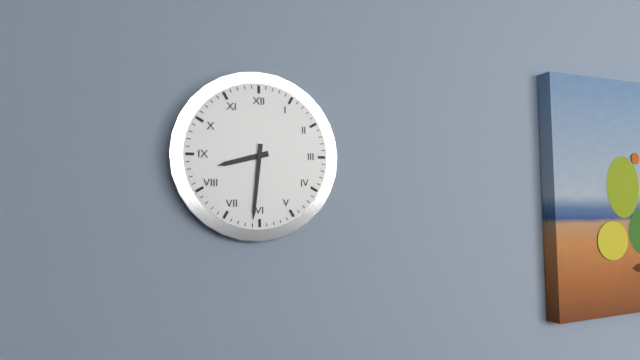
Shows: 8:31
